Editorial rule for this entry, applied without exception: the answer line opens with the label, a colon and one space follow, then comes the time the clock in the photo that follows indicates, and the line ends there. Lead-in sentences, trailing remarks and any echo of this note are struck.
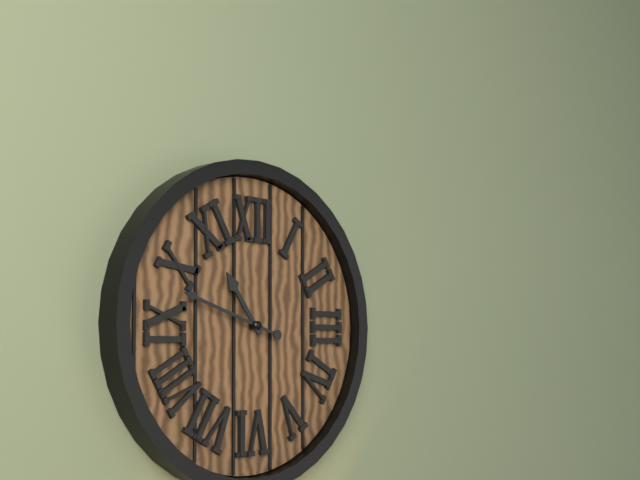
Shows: 10:48
